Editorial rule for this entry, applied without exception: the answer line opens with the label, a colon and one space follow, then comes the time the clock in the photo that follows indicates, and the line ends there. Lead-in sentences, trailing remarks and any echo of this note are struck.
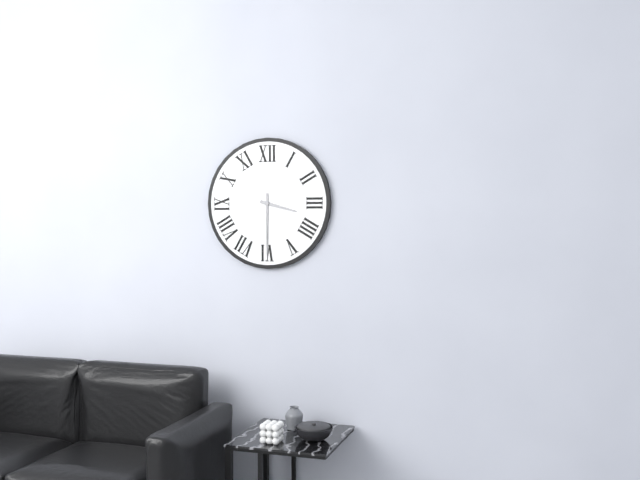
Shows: 3:30
